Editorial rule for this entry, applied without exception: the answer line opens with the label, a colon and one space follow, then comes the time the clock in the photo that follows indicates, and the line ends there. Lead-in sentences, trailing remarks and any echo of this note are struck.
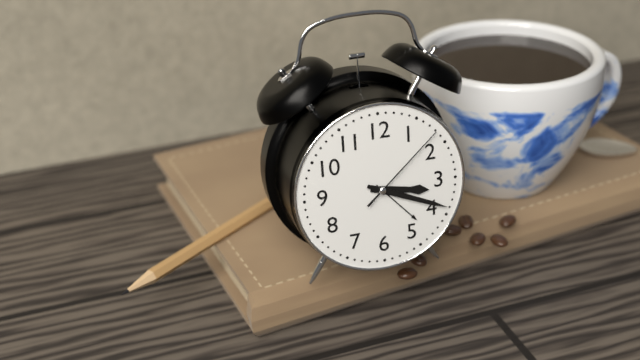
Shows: 3:19:08
